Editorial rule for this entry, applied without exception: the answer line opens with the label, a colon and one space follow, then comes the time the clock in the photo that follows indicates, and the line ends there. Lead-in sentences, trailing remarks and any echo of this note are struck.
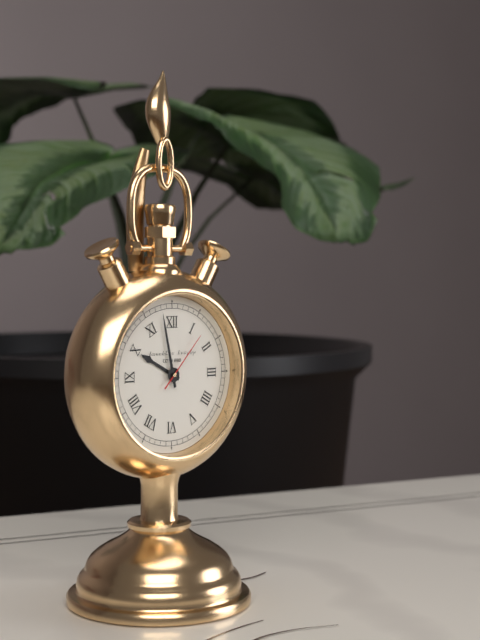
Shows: 9:58:07
